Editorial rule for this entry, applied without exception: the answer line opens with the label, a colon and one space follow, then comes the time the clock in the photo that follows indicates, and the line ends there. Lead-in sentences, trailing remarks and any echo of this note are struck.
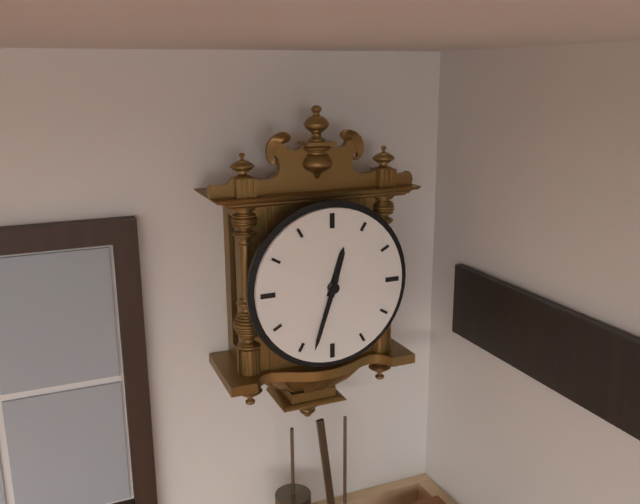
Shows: 12:33
